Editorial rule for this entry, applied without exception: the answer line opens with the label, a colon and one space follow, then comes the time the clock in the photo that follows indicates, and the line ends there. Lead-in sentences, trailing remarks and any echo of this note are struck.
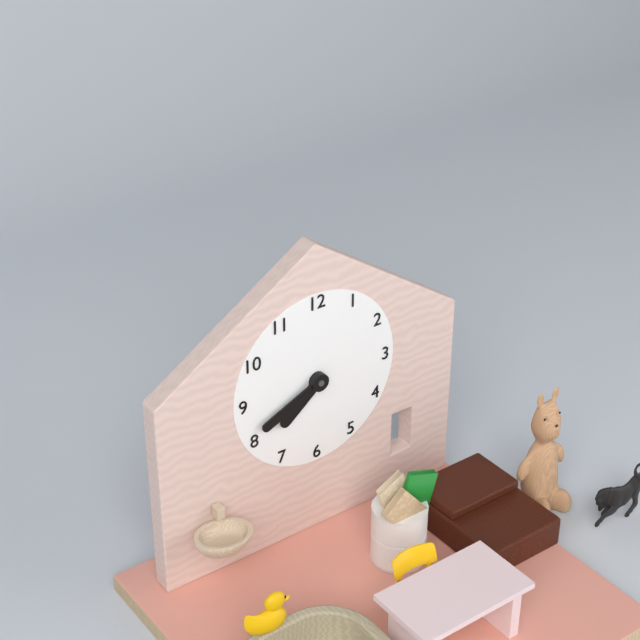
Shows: 7:41
